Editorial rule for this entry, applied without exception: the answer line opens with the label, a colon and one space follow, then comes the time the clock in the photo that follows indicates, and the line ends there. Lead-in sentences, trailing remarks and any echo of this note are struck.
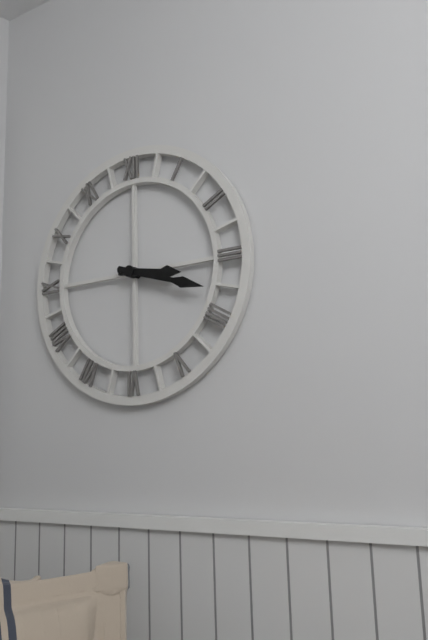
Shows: 3:18
